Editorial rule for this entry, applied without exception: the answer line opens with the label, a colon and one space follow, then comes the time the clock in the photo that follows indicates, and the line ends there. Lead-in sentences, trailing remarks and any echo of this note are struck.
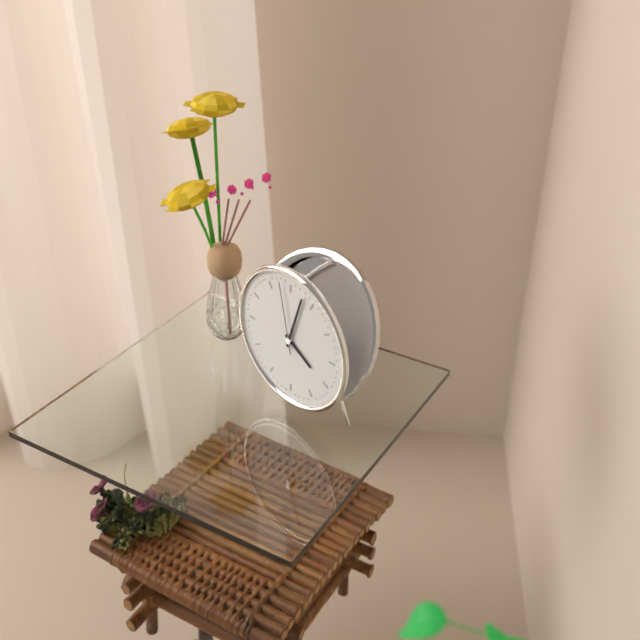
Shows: 4:03:58
